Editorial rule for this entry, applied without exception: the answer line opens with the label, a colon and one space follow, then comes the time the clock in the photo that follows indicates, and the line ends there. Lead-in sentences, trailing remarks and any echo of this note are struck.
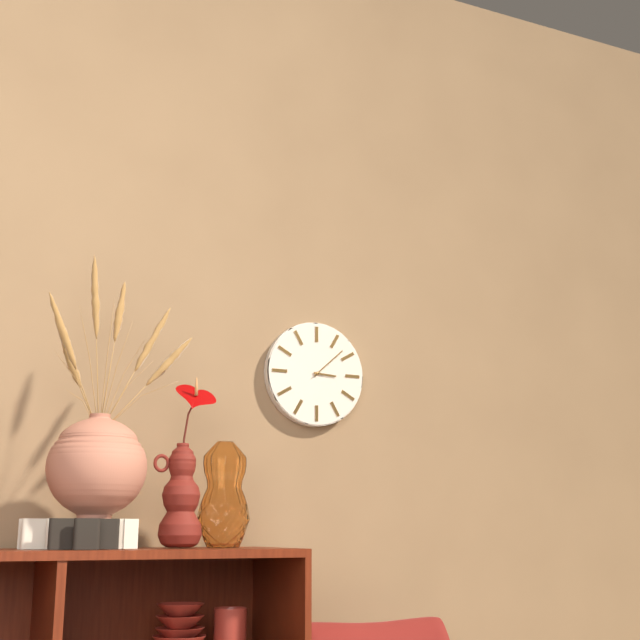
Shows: 3:08
